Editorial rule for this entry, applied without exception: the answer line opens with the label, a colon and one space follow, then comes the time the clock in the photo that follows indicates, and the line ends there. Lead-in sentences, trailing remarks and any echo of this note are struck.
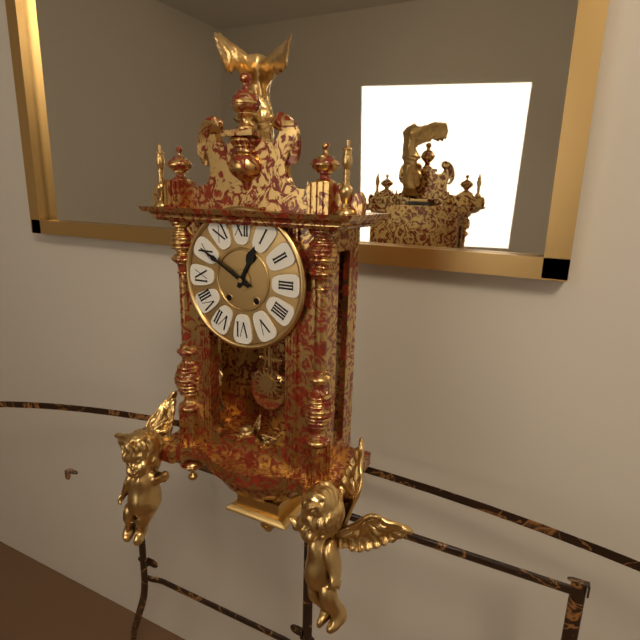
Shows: 12:50
